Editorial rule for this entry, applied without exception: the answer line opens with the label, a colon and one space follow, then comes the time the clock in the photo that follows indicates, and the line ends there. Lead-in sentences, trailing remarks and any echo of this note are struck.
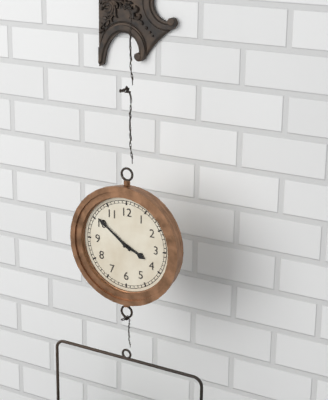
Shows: 3:51
